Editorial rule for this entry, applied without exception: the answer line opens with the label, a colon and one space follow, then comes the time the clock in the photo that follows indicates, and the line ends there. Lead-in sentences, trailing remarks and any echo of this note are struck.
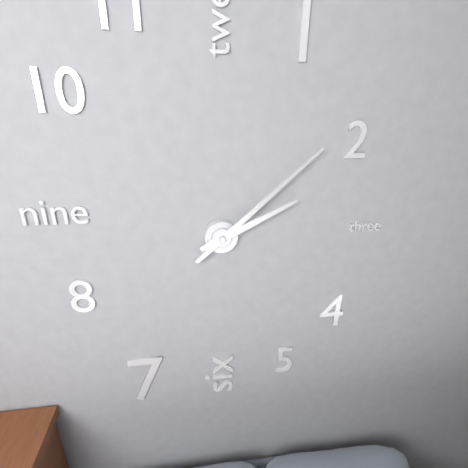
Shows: 2:08
